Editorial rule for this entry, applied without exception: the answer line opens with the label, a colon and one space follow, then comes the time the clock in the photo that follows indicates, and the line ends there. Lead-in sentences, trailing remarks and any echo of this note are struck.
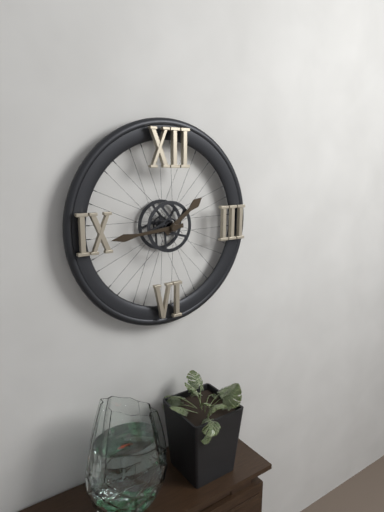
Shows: 1:44
